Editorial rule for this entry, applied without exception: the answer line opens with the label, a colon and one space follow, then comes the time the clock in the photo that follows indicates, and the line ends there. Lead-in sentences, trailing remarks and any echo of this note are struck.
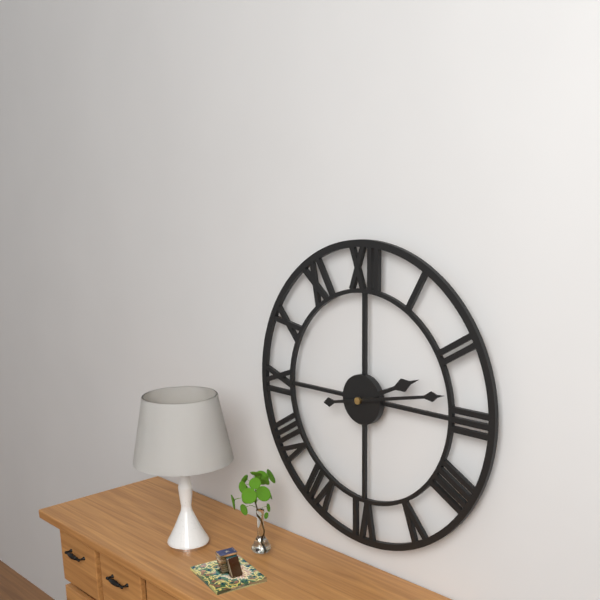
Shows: 2:13
